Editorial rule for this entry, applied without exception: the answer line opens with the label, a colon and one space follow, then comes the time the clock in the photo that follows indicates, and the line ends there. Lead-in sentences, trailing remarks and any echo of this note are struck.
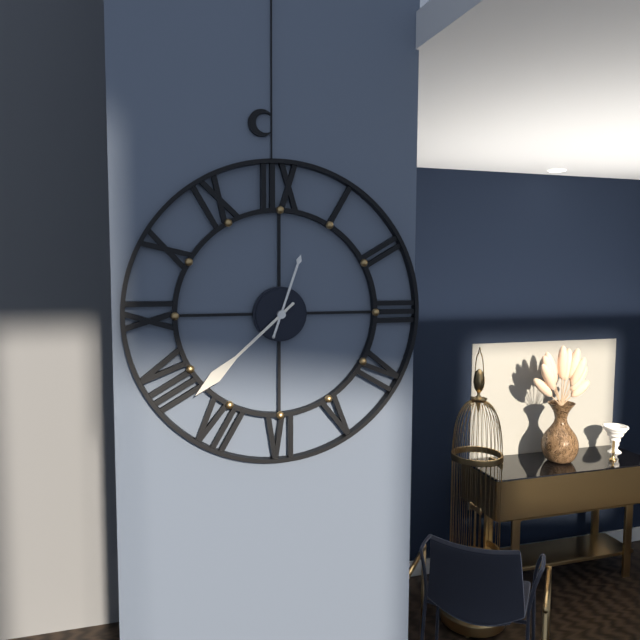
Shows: 12:38
